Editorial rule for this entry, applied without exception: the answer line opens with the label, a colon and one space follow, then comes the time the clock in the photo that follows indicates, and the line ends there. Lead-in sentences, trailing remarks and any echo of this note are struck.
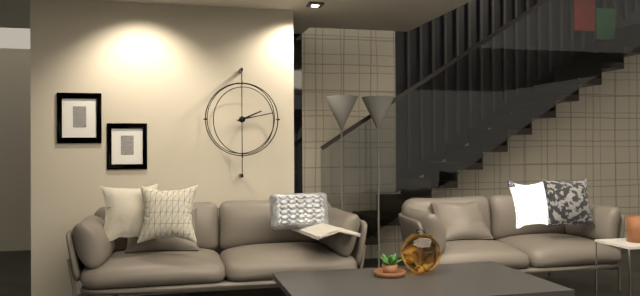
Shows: 2:13
